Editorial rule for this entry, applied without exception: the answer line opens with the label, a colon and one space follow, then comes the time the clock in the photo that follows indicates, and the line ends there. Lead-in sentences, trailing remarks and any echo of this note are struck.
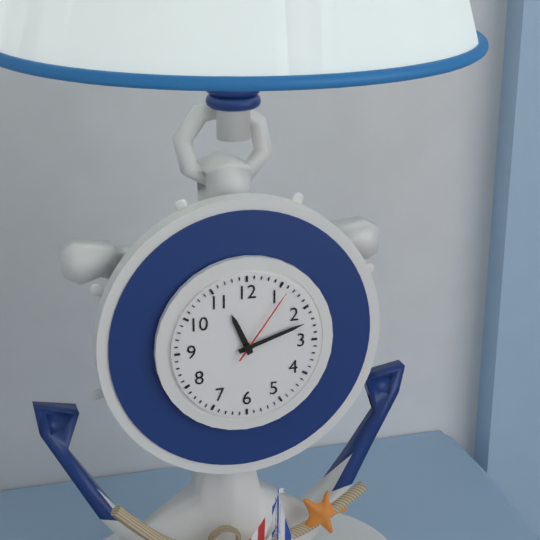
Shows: 11:12:06
